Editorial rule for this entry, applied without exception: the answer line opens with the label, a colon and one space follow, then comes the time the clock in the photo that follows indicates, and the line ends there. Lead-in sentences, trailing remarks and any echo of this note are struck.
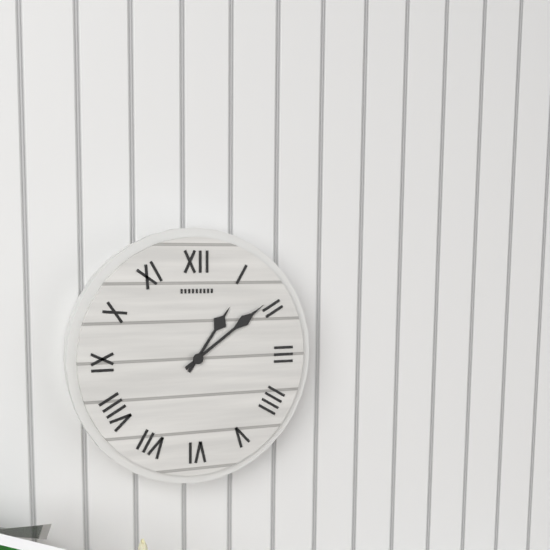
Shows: 1:09
